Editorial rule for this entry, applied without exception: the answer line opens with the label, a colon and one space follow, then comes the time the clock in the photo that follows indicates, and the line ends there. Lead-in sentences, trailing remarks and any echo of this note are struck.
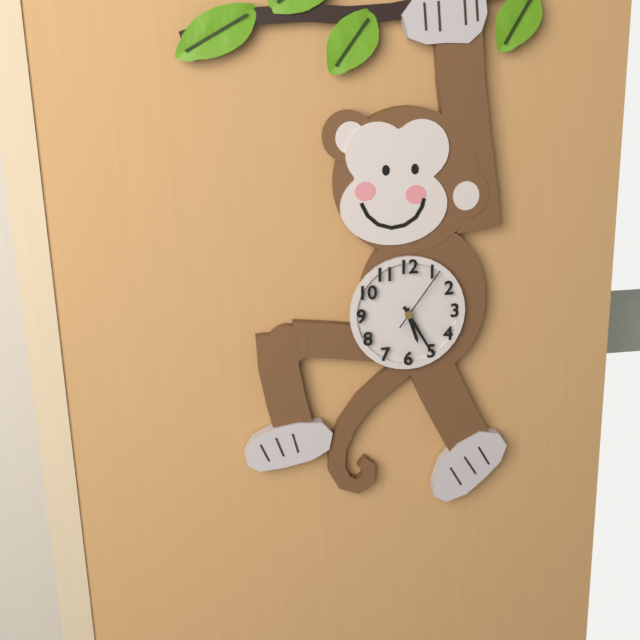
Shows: 5:25:06
